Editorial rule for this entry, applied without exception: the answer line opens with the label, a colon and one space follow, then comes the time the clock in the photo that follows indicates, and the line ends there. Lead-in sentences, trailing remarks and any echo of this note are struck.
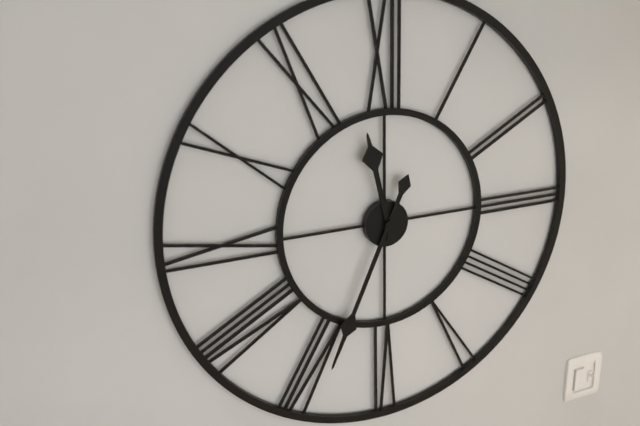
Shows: 11:34
